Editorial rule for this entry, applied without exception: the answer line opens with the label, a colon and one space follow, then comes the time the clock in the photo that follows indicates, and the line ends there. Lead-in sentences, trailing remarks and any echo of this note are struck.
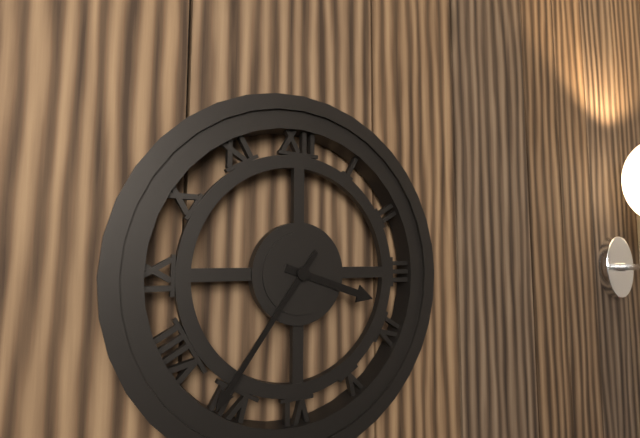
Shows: 3:36
